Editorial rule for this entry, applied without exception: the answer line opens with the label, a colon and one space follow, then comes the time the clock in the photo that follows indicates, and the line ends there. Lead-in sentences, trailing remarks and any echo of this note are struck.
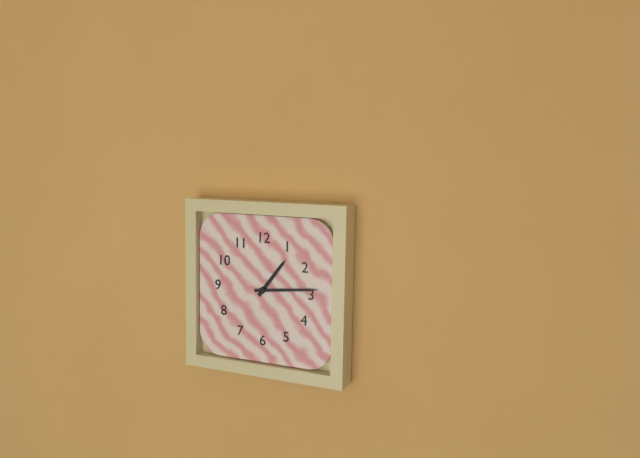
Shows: 1:14
